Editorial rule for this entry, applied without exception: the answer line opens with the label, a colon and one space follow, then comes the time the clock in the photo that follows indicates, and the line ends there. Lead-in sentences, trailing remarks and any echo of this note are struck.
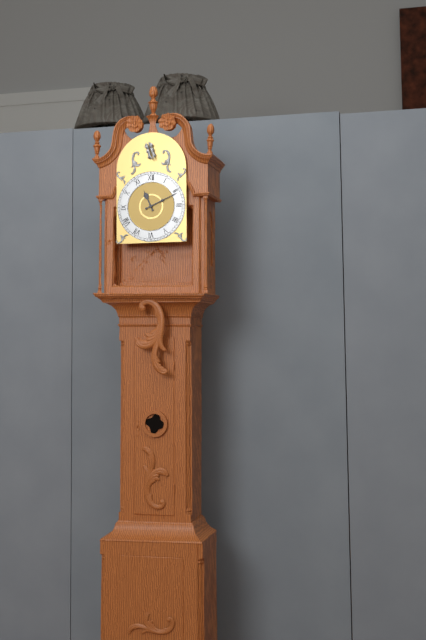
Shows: 11:11
